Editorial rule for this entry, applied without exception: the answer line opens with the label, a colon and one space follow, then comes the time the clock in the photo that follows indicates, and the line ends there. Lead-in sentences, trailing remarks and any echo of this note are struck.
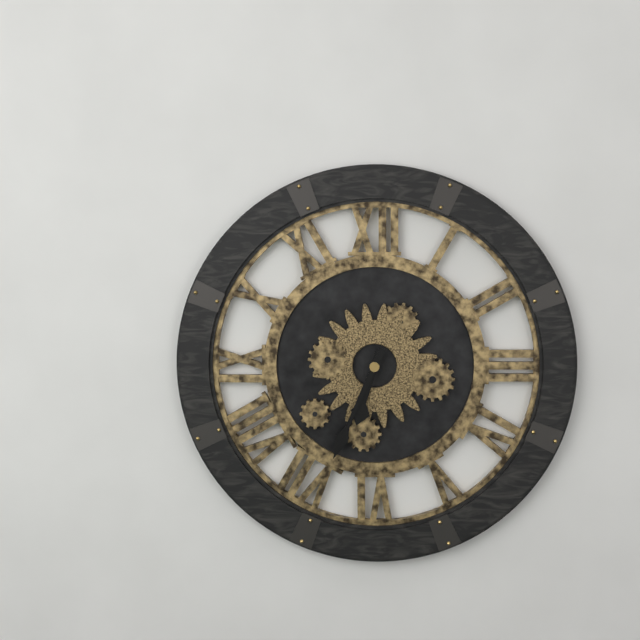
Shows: 6:34
